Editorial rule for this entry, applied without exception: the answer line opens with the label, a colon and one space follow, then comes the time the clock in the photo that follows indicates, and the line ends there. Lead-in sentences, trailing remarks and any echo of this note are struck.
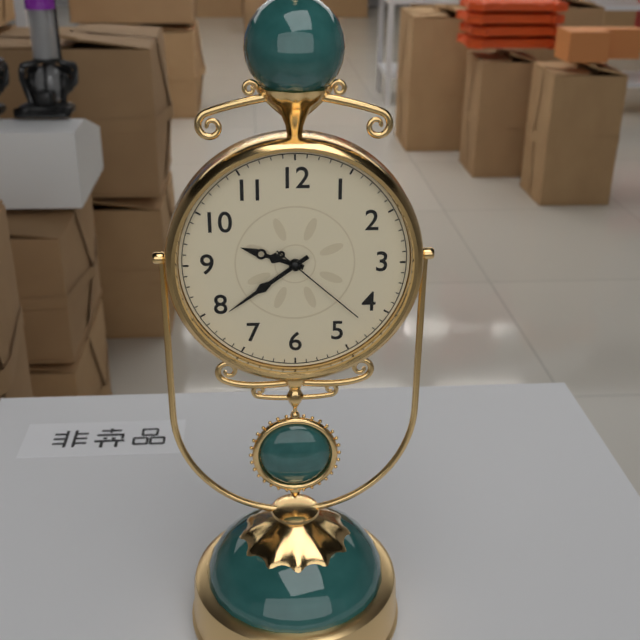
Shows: 9:39:22
